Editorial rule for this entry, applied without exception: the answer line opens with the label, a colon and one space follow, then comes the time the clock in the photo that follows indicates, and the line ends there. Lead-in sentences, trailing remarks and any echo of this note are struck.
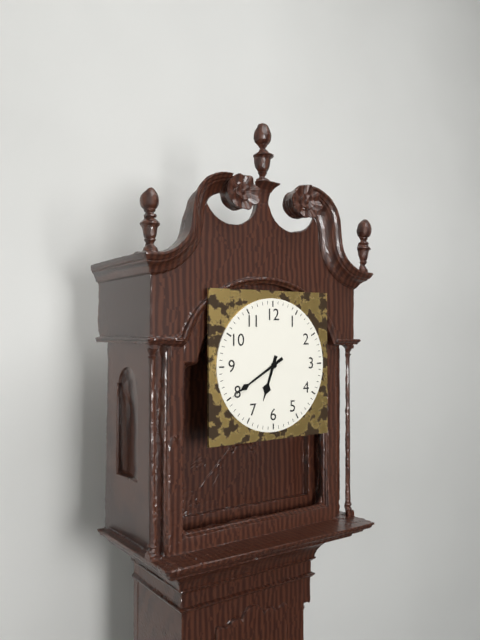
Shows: 6:40
